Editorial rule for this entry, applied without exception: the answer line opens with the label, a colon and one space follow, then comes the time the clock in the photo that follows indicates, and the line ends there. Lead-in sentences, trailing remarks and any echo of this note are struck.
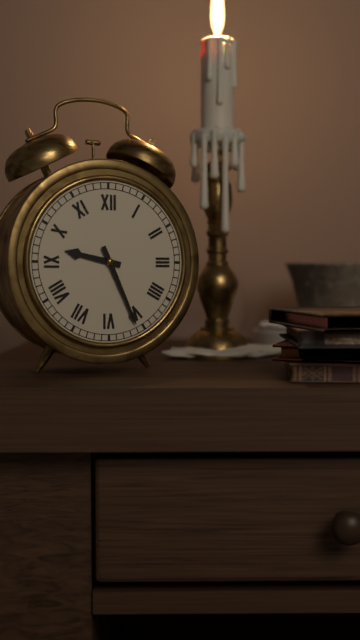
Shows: 9:26
